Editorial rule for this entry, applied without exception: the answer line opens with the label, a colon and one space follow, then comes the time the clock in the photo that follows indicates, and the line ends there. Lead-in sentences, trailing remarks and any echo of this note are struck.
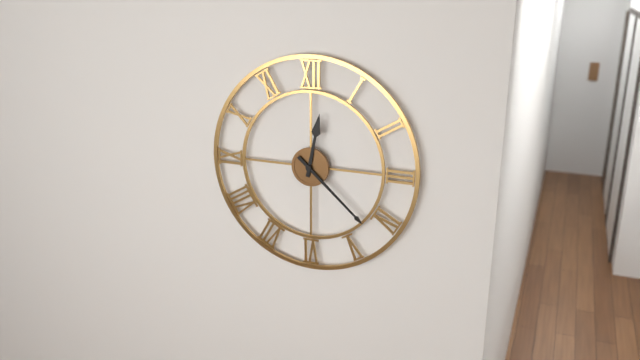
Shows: 12:22
